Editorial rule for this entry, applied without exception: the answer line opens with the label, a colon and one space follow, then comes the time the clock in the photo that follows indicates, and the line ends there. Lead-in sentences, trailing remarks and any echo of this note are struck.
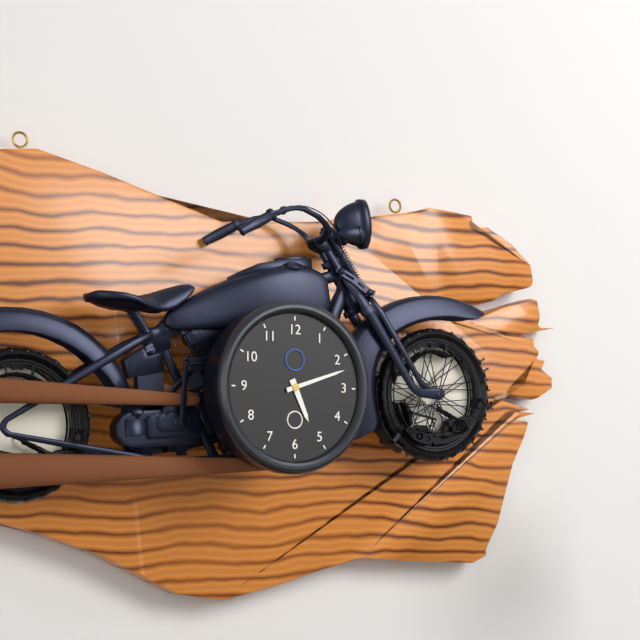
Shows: 5:12
